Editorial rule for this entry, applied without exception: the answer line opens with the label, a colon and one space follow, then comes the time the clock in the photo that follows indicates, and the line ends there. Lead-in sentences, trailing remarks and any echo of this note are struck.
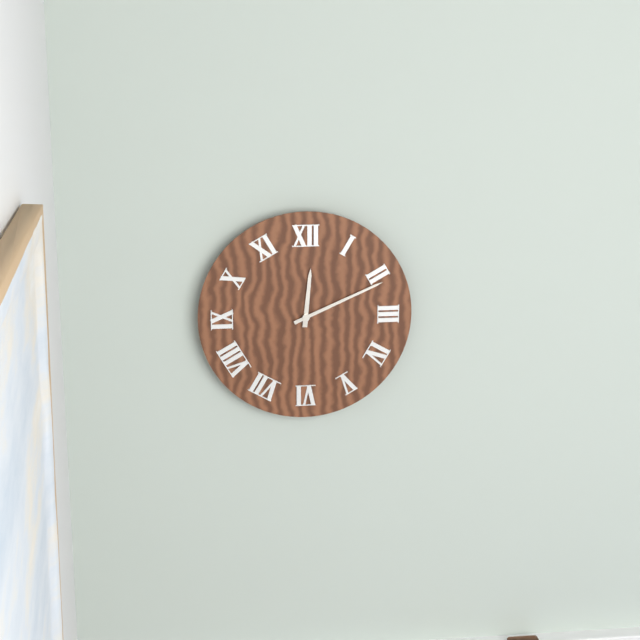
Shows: 12:11
